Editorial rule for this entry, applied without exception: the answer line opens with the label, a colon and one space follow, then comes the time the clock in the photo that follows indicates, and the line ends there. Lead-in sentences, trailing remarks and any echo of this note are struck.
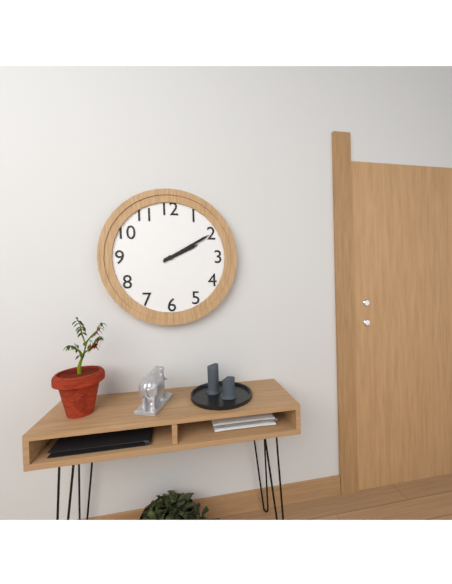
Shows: 2:10
